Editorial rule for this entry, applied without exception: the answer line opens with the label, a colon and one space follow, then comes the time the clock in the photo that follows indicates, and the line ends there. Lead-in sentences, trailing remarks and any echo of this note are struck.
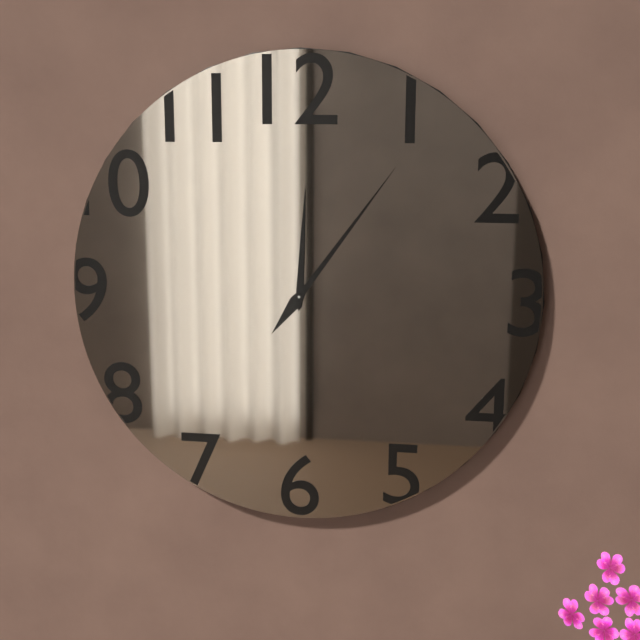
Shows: 12:06
